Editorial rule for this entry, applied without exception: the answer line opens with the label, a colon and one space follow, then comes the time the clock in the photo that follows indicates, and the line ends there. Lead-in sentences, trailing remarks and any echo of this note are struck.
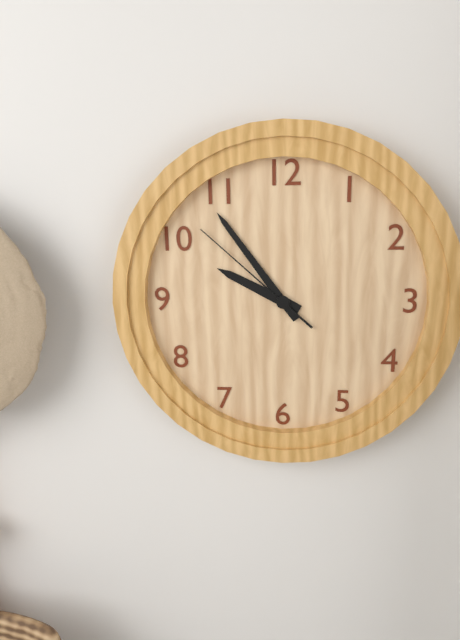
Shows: 9:54:52
